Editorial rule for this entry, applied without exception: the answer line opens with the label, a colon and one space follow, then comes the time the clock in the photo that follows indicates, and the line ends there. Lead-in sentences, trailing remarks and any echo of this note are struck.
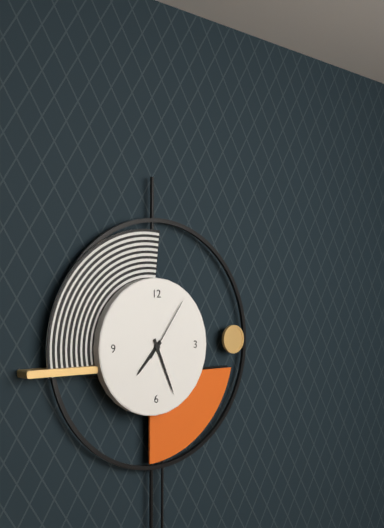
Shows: 7:26:06
